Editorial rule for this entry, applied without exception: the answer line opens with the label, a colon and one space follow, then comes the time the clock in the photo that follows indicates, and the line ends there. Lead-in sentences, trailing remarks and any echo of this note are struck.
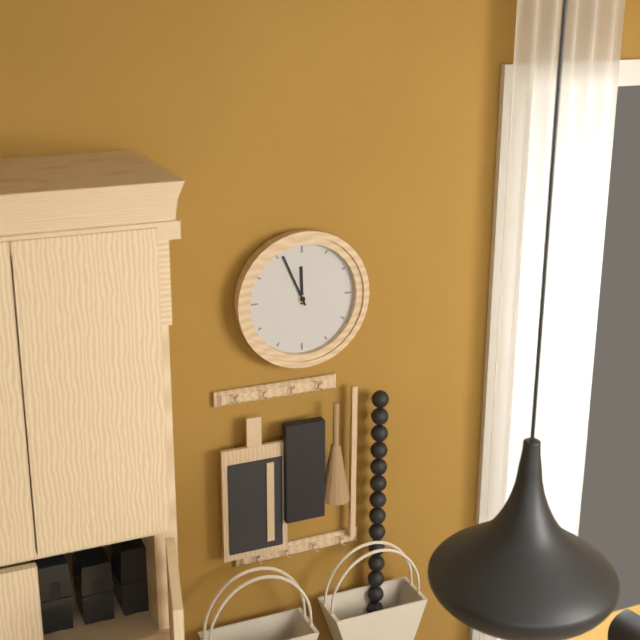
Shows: 11:56
